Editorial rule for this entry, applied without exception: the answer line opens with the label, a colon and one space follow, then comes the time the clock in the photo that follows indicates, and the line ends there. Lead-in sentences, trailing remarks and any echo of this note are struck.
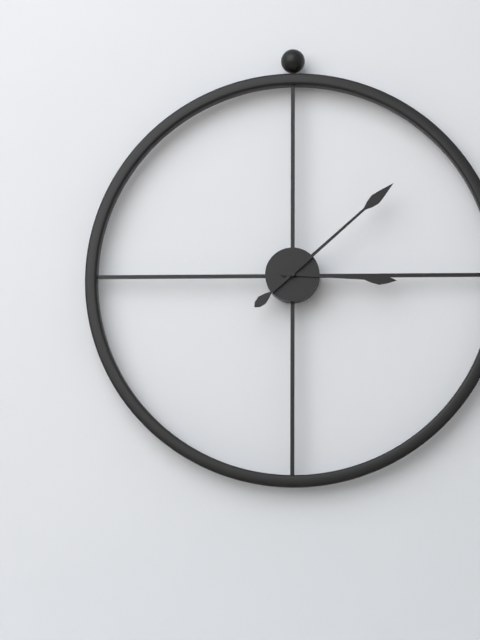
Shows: 3:08
